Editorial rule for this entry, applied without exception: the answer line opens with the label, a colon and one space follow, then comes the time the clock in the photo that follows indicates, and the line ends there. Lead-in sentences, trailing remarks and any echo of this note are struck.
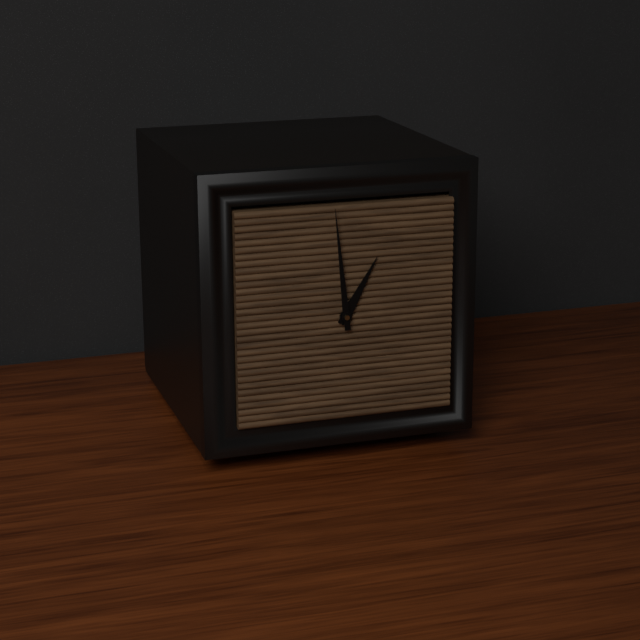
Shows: 12:59
